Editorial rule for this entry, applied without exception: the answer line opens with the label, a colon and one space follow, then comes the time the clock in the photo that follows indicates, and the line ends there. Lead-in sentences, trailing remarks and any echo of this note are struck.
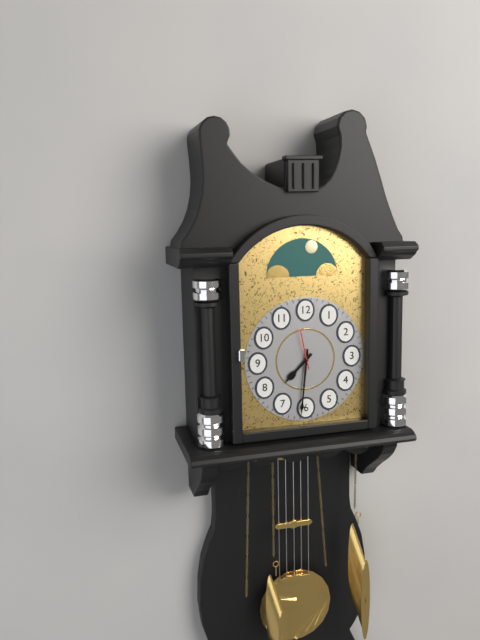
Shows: 7:31
